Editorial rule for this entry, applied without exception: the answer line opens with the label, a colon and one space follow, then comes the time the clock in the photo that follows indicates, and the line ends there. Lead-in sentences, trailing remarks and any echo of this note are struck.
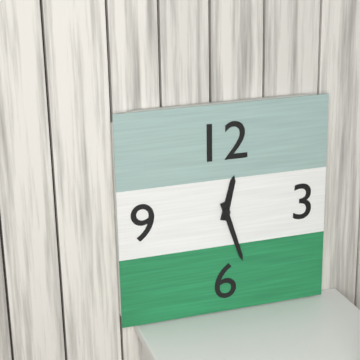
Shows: 12:27
